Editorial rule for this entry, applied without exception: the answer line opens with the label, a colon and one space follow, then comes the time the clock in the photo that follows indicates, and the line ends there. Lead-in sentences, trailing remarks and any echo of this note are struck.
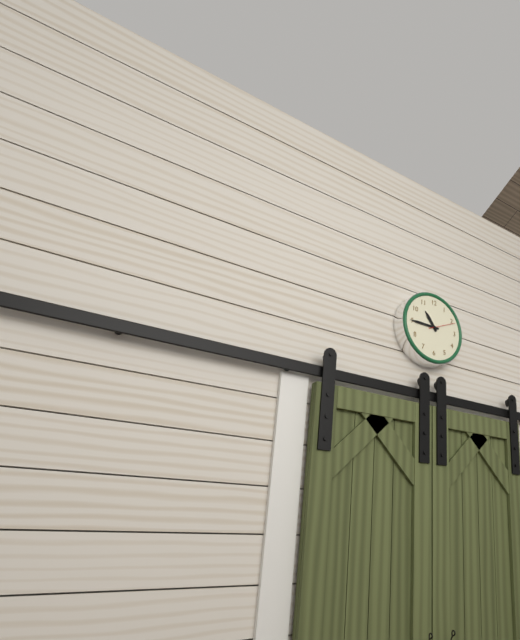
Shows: 10:45
